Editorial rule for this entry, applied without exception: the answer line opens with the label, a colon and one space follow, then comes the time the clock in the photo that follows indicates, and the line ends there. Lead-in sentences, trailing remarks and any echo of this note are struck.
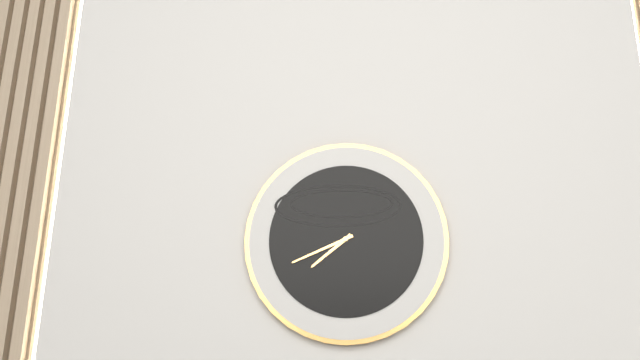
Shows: 7:41
